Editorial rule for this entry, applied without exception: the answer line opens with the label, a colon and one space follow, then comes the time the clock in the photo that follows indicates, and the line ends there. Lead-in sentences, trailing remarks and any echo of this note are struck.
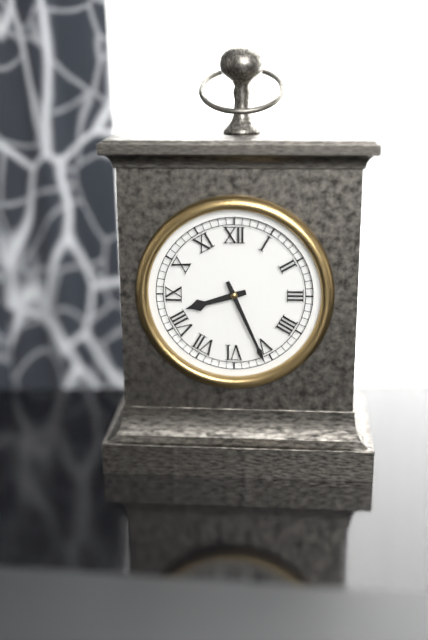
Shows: 8:26
